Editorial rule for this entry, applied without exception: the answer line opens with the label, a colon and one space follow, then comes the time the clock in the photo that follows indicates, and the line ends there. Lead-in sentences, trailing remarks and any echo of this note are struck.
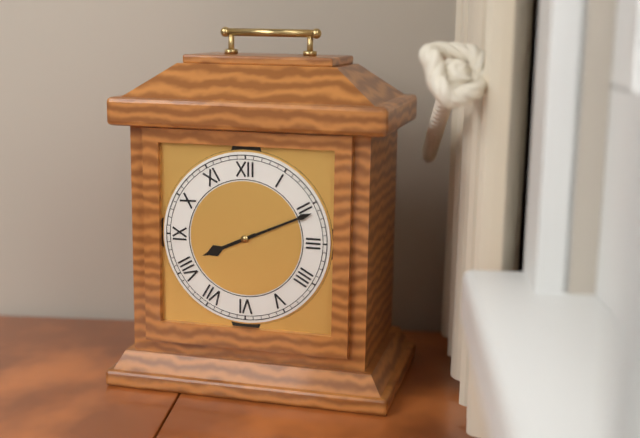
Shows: 8:11
